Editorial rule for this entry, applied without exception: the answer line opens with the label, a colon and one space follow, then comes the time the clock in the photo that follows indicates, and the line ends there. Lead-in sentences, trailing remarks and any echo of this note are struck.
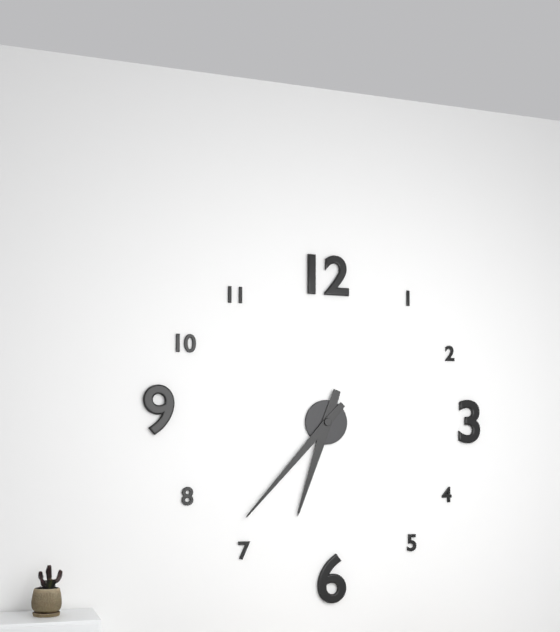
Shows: 6:37
